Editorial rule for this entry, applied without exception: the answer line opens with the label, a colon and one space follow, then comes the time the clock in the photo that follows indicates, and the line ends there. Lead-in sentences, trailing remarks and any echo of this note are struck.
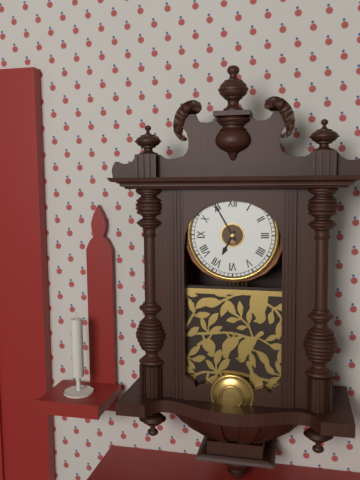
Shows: 6:55
